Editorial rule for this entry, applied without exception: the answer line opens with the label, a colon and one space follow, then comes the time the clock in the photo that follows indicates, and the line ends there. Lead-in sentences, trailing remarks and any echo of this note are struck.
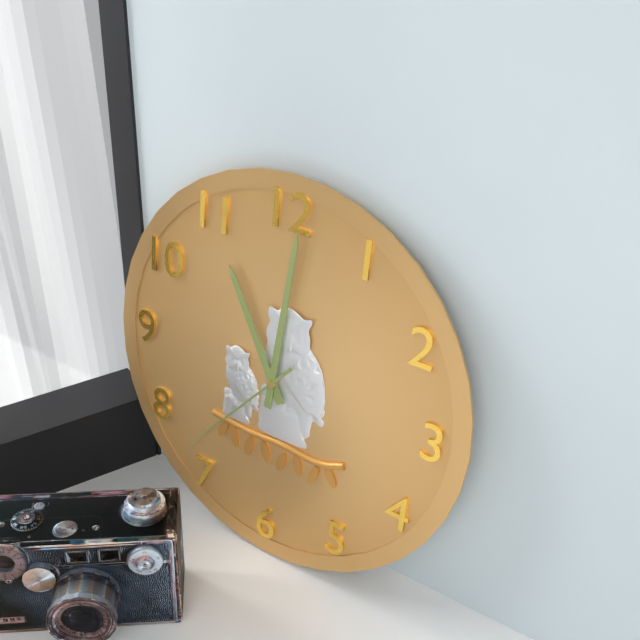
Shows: 11:01:37
